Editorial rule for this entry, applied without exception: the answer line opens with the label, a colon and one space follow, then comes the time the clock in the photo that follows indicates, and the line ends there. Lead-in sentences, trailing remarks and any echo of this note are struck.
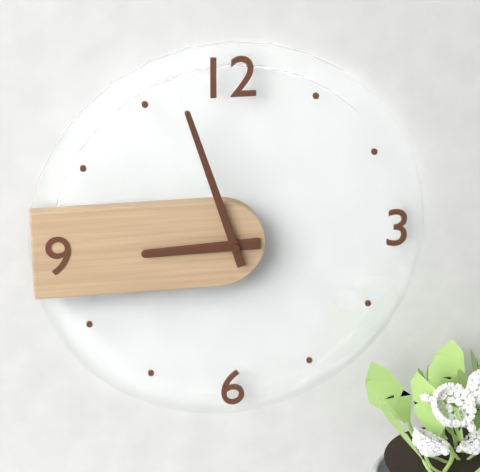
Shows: 8:57
